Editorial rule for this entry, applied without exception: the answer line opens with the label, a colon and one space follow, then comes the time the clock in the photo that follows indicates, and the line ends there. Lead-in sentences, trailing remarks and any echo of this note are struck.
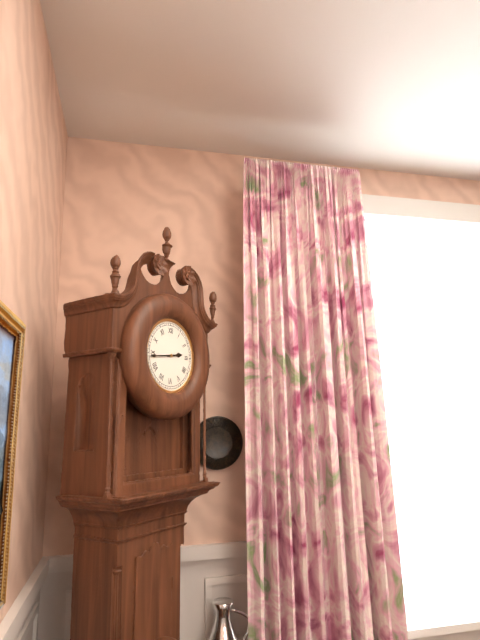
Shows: 2:44
